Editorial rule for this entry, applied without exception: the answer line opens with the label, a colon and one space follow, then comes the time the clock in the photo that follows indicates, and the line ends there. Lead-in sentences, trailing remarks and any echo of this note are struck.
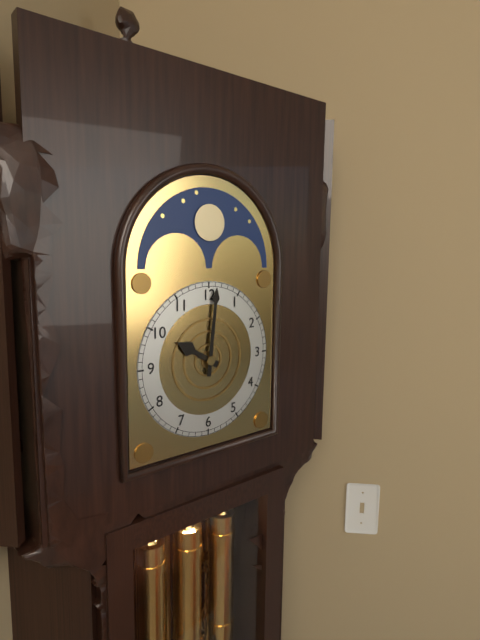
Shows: 10:01
